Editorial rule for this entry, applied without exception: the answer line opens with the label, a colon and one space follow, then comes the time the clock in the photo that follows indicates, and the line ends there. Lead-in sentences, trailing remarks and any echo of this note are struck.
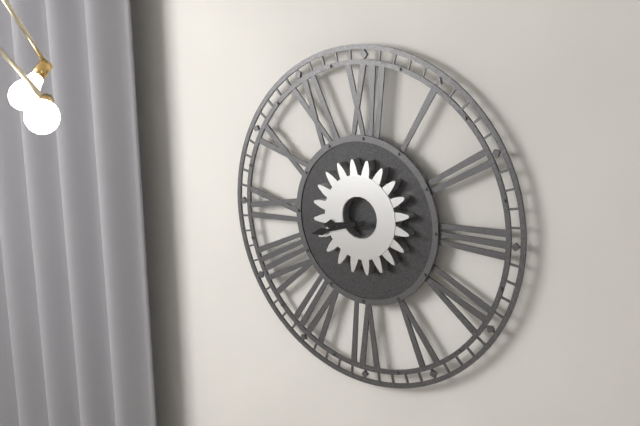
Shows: 8:42
